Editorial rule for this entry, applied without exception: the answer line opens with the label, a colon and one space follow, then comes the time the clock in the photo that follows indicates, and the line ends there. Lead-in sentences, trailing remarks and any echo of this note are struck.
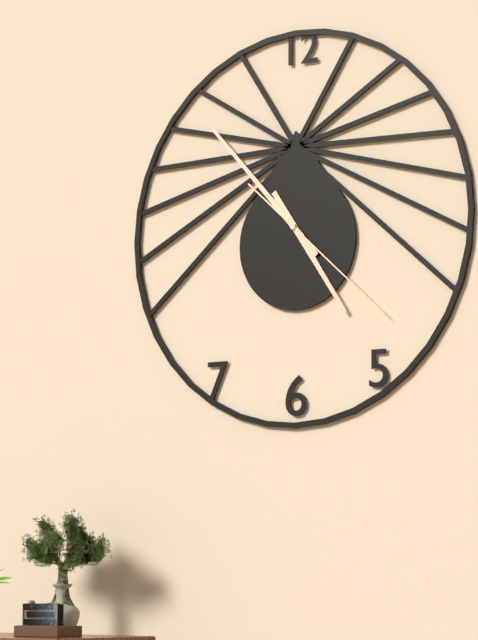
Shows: 4:53:22
